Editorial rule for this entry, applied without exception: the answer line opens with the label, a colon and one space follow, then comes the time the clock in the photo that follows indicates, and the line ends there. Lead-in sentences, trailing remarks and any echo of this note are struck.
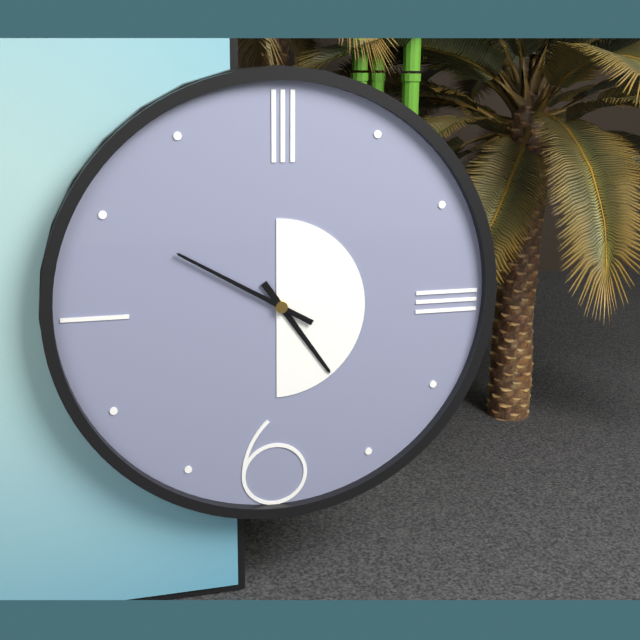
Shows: 4:50
